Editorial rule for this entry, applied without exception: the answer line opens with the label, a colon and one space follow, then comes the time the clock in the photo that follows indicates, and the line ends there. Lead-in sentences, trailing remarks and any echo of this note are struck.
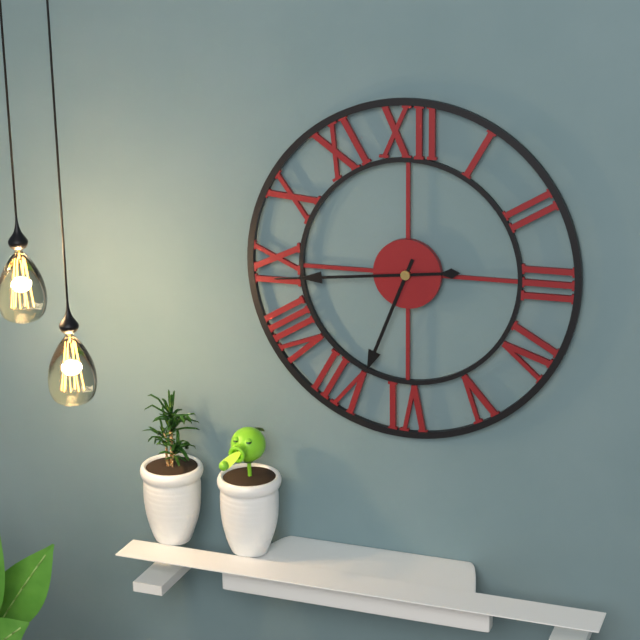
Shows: 6:44
